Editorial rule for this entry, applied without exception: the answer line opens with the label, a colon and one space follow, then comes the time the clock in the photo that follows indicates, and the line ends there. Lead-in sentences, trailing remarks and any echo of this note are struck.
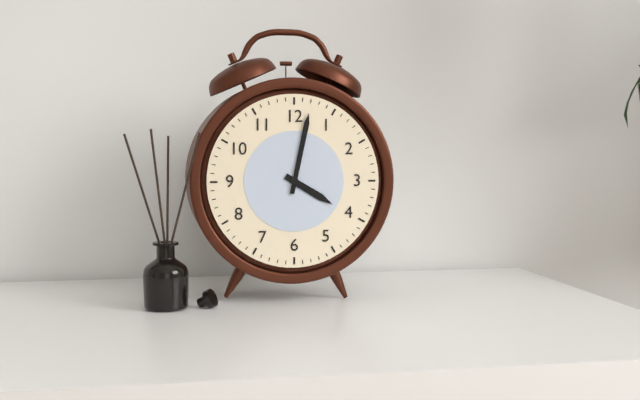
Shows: 4:02
